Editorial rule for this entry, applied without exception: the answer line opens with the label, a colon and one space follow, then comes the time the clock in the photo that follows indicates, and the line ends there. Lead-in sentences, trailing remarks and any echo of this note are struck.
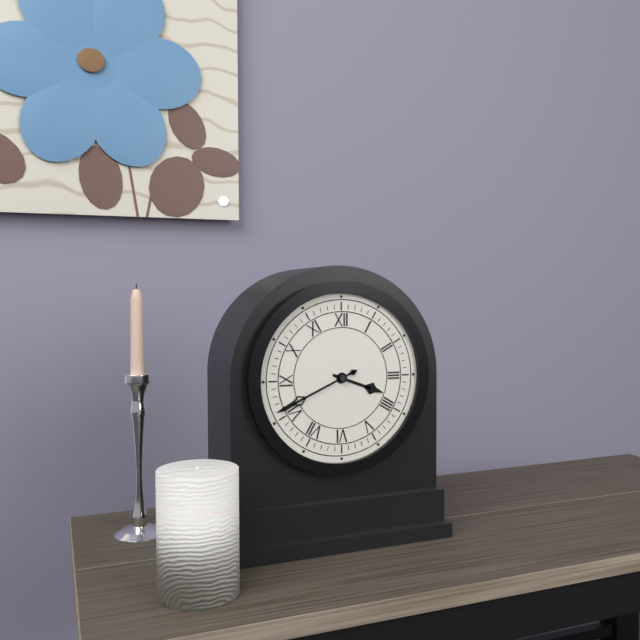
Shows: 3:41
